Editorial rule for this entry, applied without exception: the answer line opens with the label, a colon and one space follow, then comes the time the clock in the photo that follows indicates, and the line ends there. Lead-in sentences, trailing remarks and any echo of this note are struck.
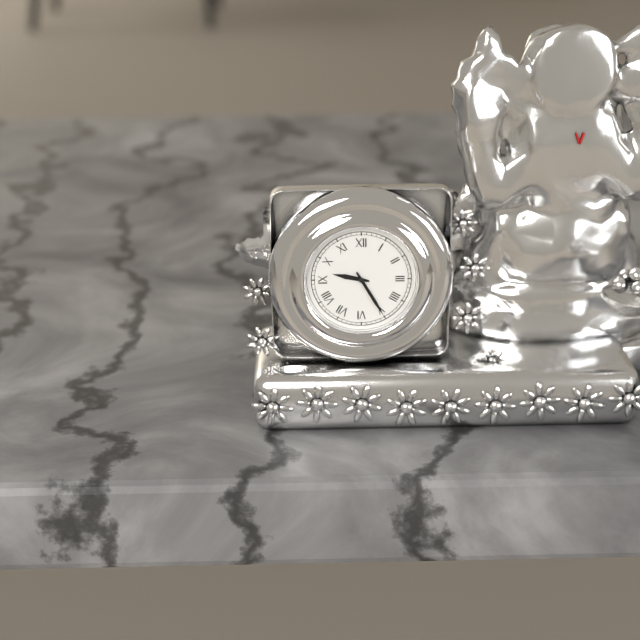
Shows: 9:25
